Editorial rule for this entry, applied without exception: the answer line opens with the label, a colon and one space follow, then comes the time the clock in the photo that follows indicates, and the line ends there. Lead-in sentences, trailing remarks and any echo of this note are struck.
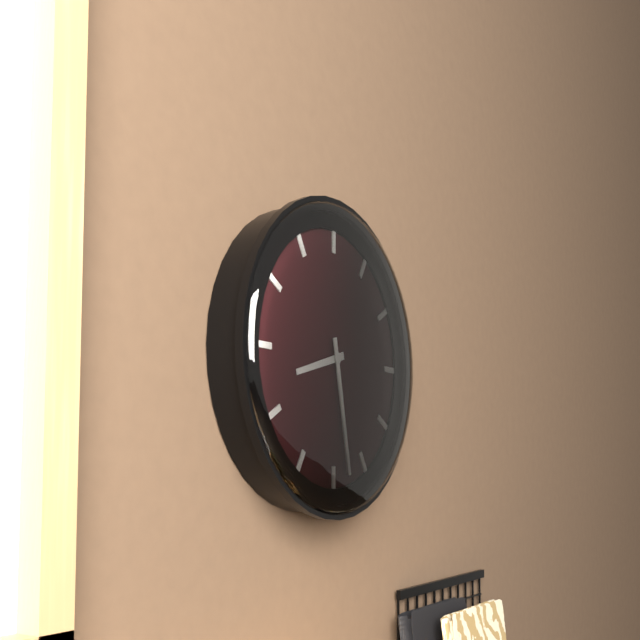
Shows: 8:28
